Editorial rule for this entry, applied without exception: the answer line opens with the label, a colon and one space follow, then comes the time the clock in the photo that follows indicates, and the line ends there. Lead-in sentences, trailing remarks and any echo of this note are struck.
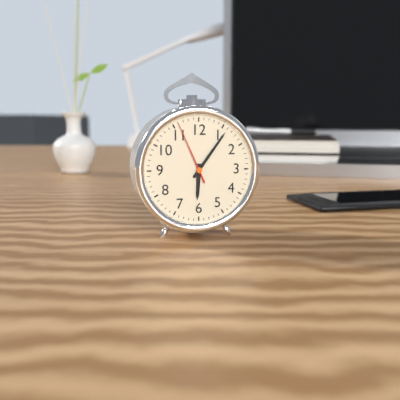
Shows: 6:06:56
